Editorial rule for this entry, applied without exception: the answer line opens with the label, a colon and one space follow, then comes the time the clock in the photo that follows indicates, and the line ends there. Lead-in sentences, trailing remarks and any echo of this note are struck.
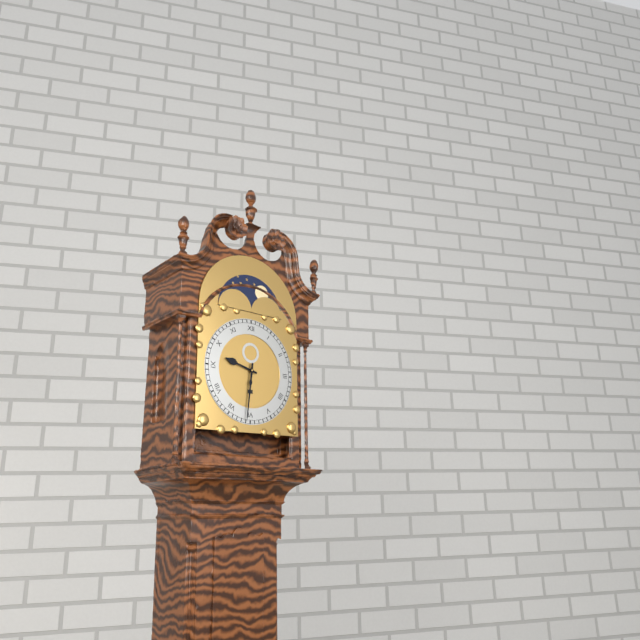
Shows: 9:31
